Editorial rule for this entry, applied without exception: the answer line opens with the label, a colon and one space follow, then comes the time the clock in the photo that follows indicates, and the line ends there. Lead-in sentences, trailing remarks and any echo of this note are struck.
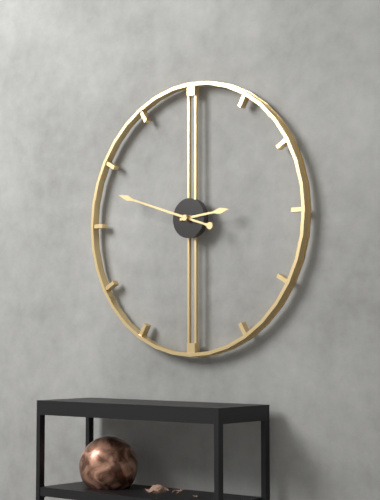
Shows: 2:48
